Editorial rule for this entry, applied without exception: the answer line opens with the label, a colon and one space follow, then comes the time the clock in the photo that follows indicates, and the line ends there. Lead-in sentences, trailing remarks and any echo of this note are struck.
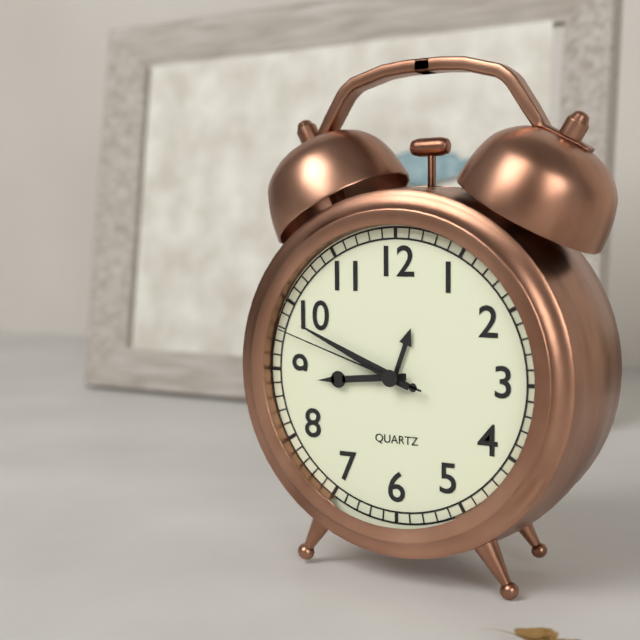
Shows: 8:49:48
